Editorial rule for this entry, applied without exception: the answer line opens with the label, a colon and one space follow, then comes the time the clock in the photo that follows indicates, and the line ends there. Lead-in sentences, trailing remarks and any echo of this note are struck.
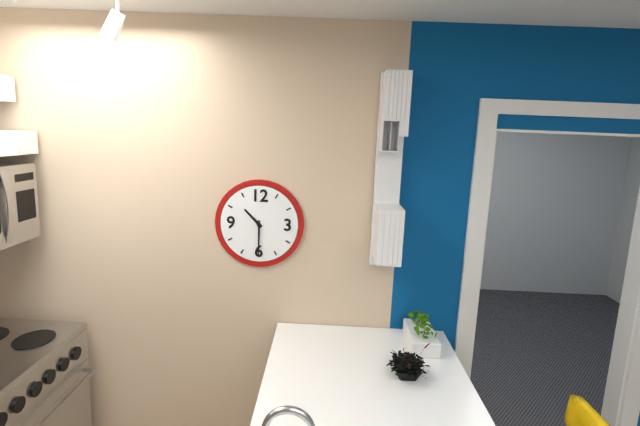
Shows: 10:30
